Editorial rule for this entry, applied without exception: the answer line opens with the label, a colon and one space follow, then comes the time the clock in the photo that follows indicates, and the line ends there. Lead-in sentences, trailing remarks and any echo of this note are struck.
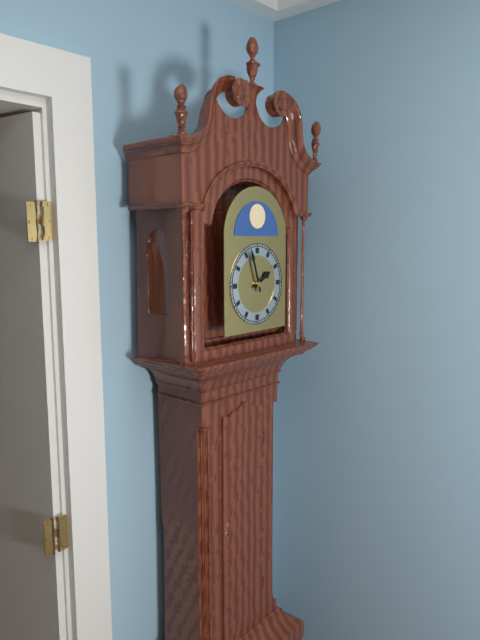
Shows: 1:57
